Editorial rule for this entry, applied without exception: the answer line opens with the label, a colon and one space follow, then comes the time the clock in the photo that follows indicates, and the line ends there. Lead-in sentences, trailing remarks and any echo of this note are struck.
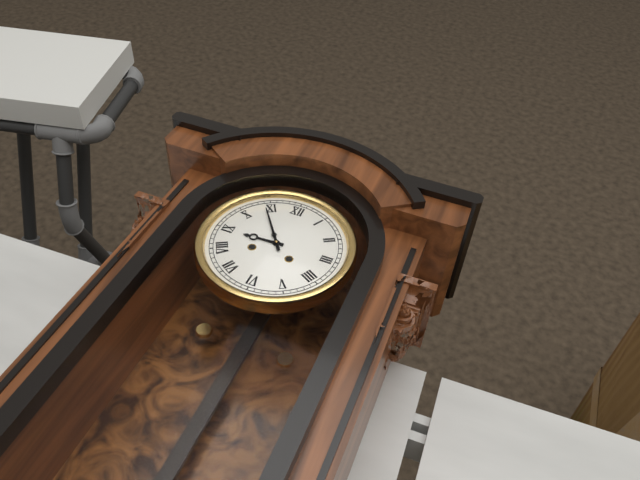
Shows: 8:54
